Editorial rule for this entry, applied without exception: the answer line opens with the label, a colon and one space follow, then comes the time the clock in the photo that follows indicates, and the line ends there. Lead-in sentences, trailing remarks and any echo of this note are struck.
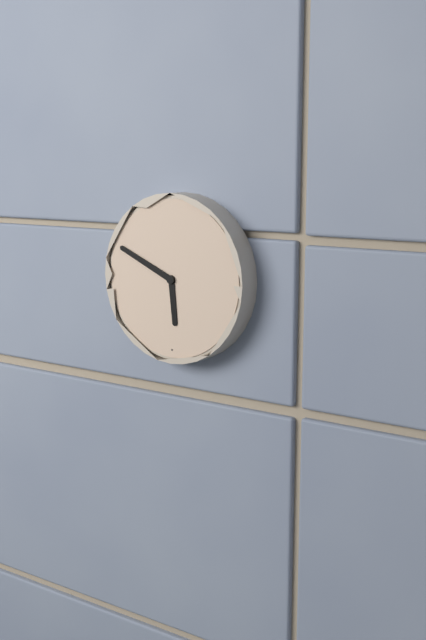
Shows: 5:49
